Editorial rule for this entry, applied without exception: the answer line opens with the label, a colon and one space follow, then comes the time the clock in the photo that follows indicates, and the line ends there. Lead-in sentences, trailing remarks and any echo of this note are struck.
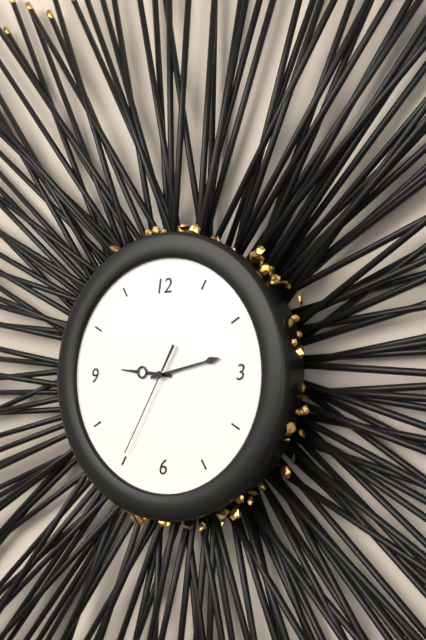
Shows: 9:13:35
